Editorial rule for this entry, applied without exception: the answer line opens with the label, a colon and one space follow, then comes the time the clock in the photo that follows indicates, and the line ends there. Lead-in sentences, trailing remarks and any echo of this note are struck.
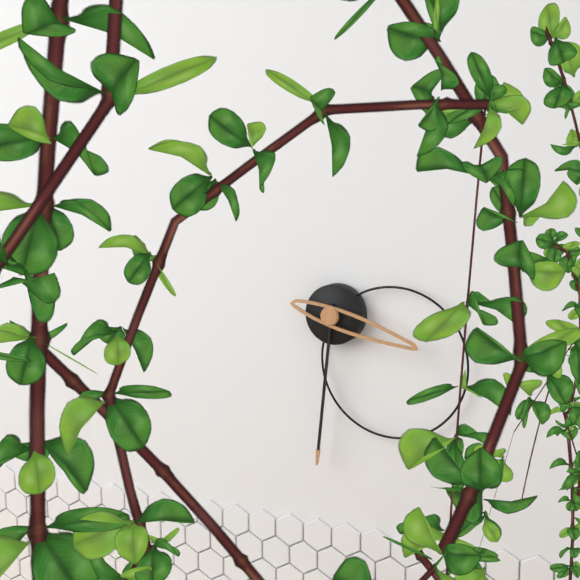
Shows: 3:31
